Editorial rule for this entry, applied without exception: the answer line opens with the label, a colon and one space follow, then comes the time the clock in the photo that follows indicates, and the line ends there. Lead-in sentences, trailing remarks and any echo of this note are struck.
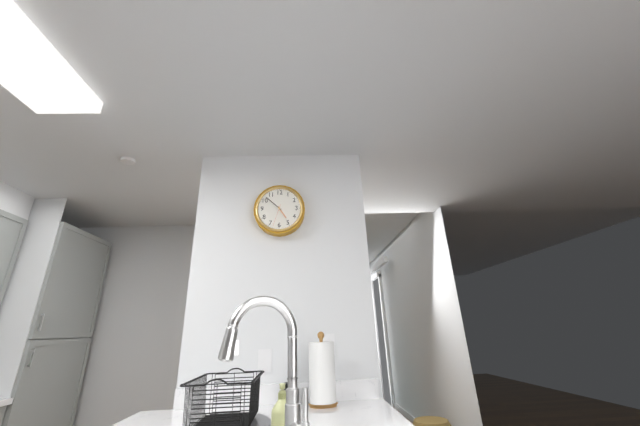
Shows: 4:52
